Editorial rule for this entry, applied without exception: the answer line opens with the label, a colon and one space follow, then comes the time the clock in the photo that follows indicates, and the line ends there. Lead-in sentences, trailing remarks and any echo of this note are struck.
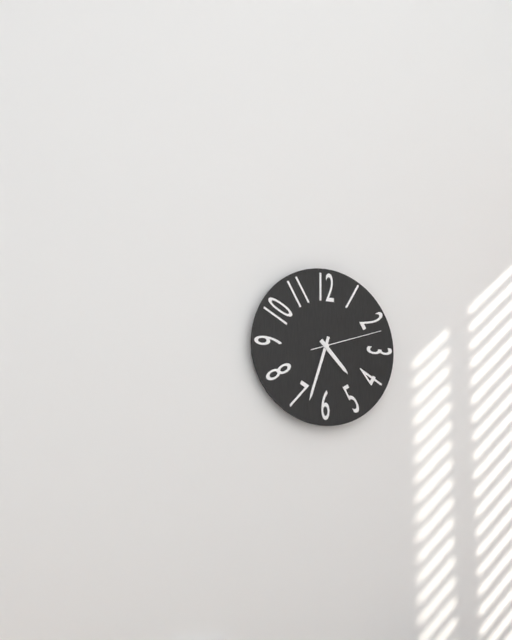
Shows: 4:33:12
